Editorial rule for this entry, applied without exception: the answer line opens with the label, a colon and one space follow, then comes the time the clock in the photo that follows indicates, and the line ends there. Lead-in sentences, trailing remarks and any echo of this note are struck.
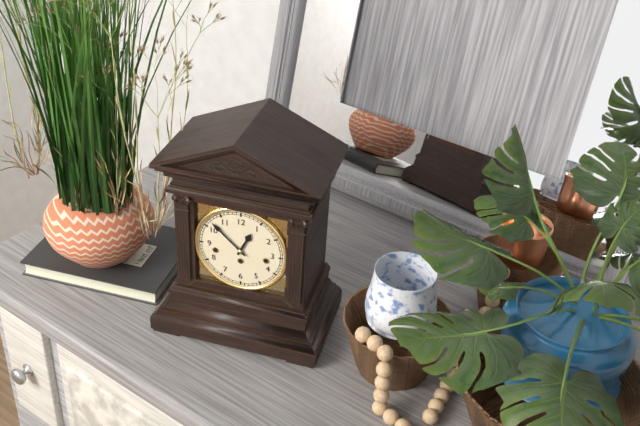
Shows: 12:52
